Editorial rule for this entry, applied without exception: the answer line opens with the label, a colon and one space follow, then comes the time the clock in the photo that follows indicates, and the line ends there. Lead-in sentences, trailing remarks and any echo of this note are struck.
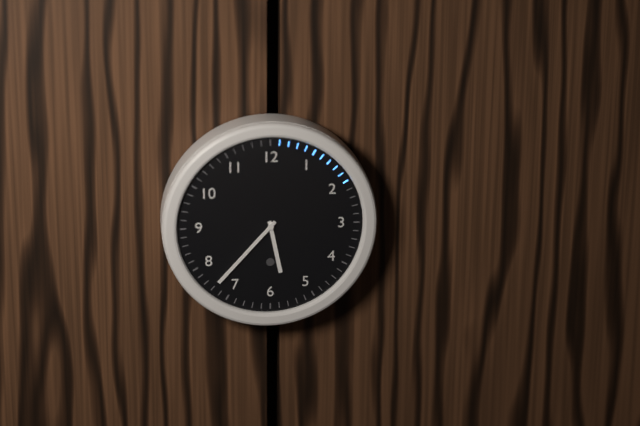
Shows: 5:37
